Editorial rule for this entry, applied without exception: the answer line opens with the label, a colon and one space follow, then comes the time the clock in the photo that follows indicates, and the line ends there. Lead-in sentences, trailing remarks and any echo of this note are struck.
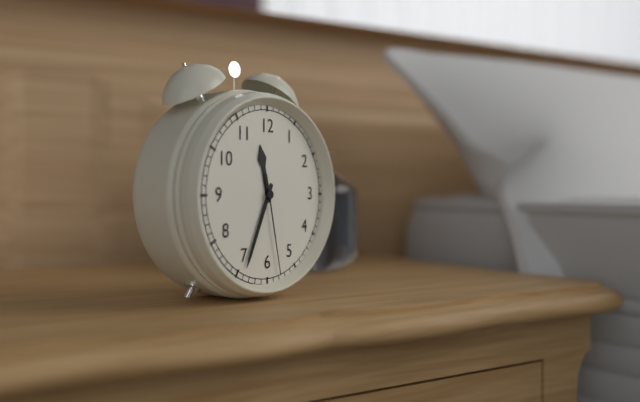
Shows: 11:34:28
